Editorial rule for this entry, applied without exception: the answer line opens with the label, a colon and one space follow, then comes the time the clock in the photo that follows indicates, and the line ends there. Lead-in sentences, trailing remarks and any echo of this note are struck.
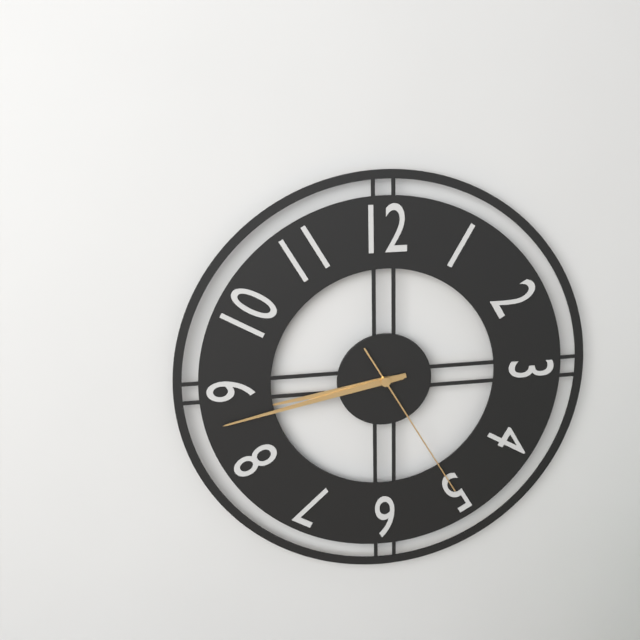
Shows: 8:43:25
